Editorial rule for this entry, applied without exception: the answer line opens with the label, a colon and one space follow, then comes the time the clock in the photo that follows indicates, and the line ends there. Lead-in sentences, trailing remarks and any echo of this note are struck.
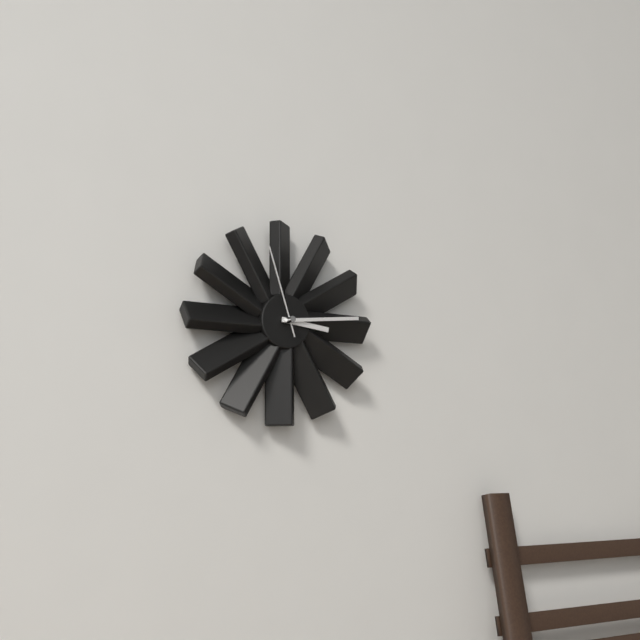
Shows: 3:14:57
